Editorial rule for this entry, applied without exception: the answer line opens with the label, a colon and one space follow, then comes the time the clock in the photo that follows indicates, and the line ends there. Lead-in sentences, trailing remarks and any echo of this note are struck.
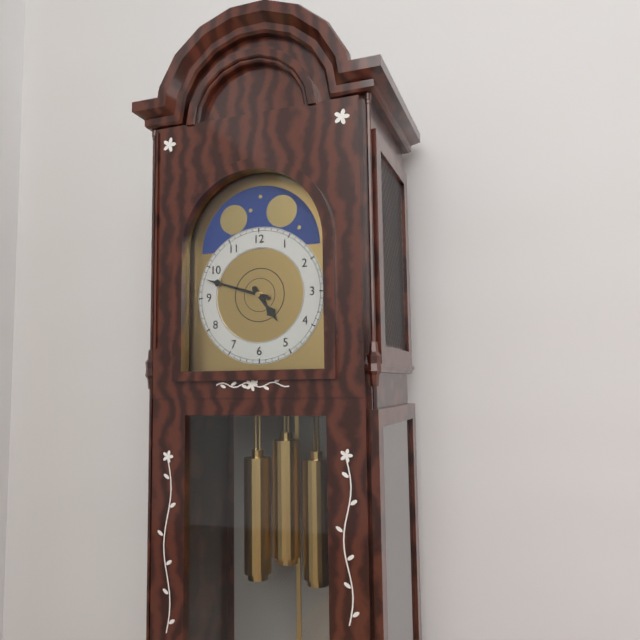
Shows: 4:48
